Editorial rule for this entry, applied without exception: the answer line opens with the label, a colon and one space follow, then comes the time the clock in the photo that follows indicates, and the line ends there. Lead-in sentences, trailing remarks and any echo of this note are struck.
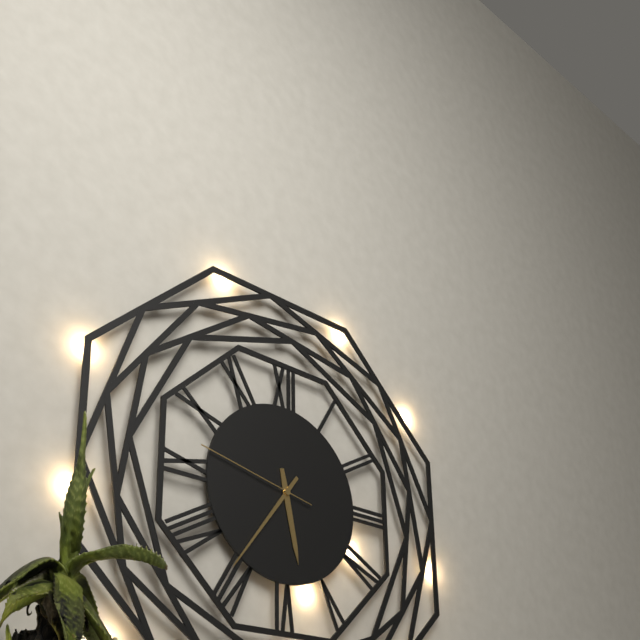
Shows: 5:36:47
